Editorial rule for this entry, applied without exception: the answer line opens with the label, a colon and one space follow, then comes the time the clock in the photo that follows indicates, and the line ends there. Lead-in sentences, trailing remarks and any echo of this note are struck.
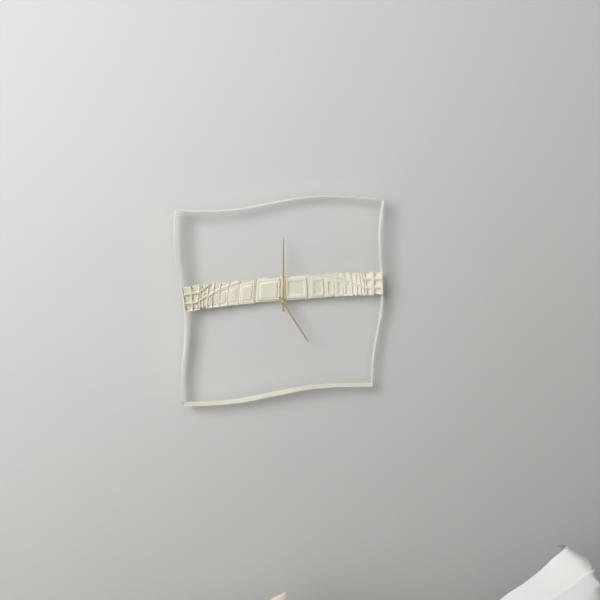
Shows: 5:00
